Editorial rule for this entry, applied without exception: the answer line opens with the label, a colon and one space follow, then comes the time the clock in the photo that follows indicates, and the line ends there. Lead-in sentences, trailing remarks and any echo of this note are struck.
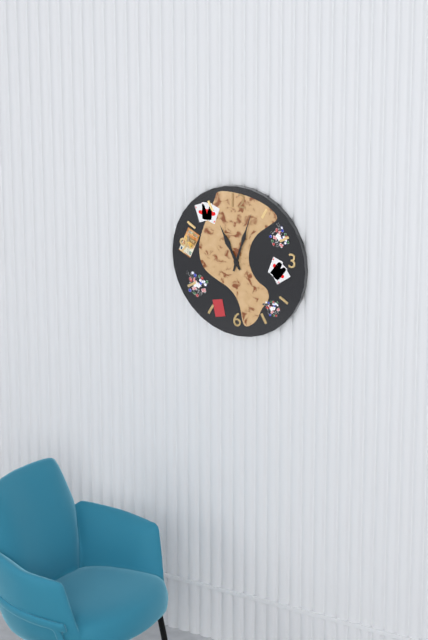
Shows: 11:03
